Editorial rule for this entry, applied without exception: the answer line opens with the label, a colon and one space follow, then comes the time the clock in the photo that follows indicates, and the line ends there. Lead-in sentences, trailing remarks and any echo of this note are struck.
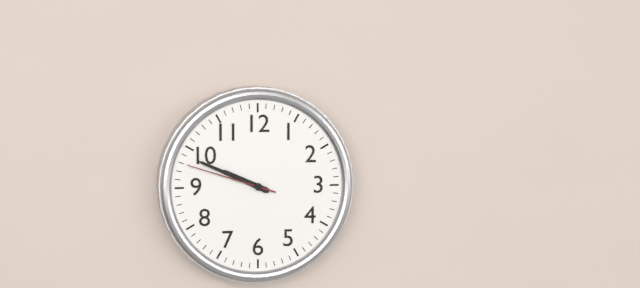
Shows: 9:49:48
